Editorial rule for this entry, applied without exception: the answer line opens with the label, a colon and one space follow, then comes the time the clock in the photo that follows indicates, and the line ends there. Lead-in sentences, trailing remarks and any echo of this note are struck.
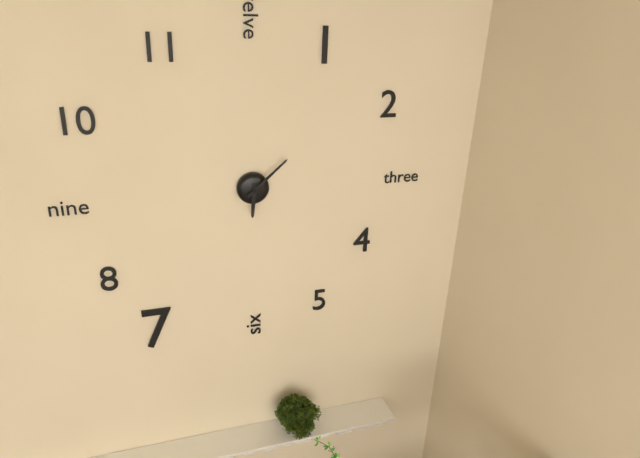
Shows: 6:08
